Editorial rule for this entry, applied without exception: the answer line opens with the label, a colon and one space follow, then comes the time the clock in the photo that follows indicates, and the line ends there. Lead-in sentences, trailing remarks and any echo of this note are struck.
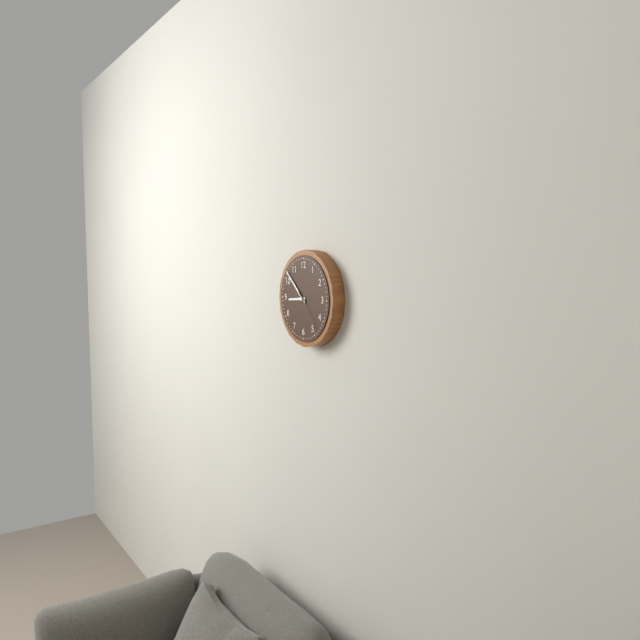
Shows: 8:52
